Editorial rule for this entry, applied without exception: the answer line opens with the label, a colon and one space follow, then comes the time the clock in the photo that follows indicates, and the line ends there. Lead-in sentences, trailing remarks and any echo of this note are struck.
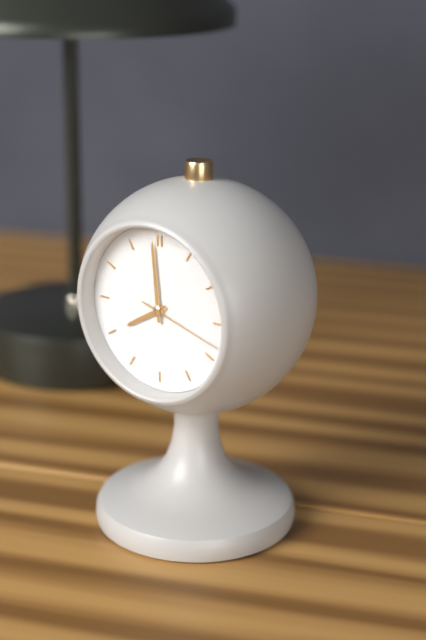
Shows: 7:59:18
